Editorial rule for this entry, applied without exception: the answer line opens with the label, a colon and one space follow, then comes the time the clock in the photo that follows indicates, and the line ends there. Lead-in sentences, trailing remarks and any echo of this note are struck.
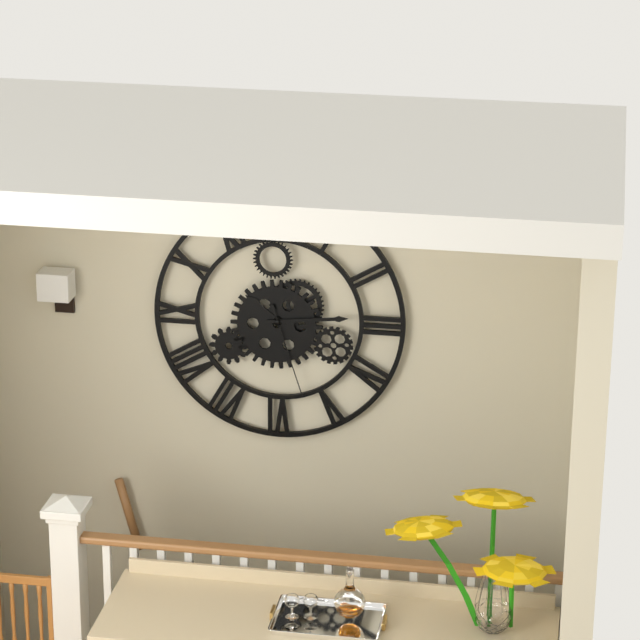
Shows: 10:14:27
